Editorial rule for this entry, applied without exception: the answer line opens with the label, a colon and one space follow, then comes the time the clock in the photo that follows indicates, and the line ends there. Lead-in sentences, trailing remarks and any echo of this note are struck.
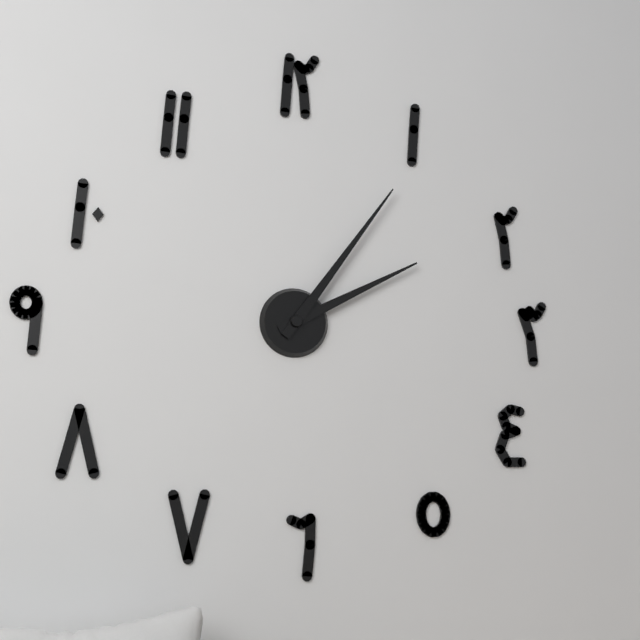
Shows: 2:06
